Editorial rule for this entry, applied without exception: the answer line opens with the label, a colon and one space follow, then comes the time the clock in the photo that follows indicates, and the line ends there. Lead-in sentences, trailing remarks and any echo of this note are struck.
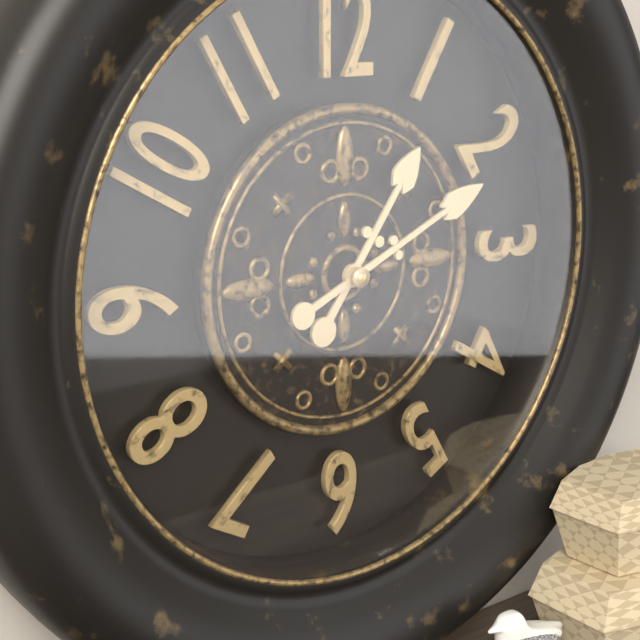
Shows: 1:11
